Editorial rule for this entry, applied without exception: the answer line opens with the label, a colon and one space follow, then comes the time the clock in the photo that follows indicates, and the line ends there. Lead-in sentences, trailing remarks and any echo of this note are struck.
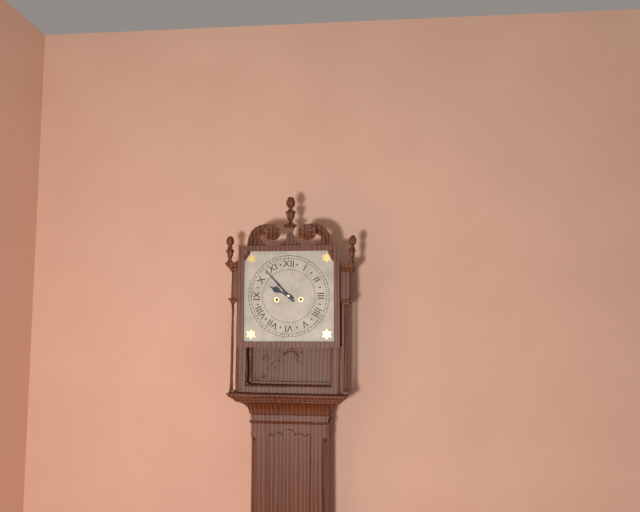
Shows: 9:53
